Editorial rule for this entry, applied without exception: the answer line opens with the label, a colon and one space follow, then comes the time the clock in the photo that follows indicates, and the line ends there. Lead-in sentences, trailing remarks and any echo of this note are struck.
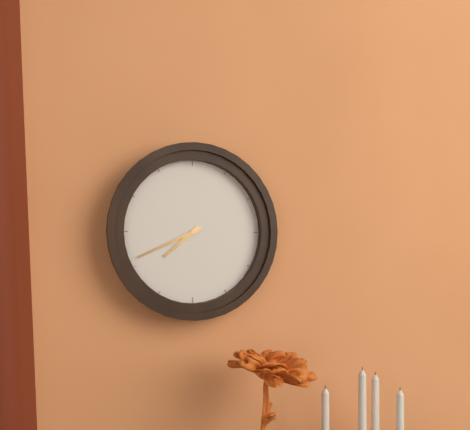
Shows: 7:41
